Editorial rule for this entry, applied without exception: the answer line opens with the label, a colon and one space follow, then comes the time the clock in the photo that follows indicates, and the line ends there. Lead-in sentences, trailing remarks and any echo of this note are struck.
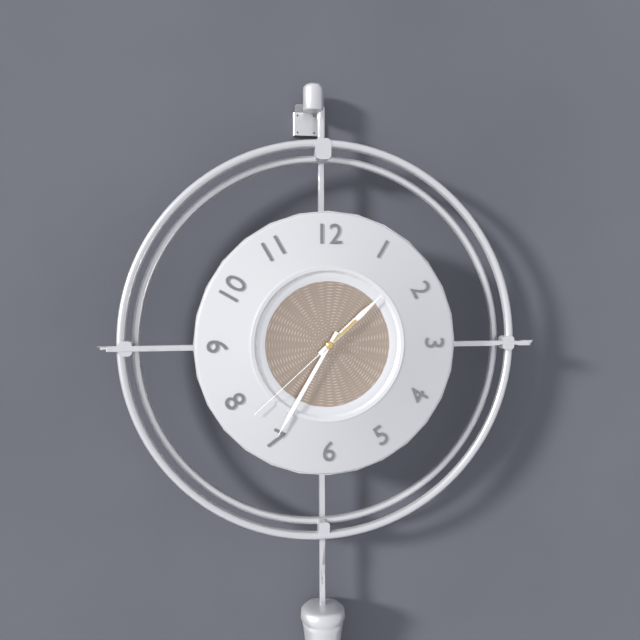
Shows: 1:35:38
